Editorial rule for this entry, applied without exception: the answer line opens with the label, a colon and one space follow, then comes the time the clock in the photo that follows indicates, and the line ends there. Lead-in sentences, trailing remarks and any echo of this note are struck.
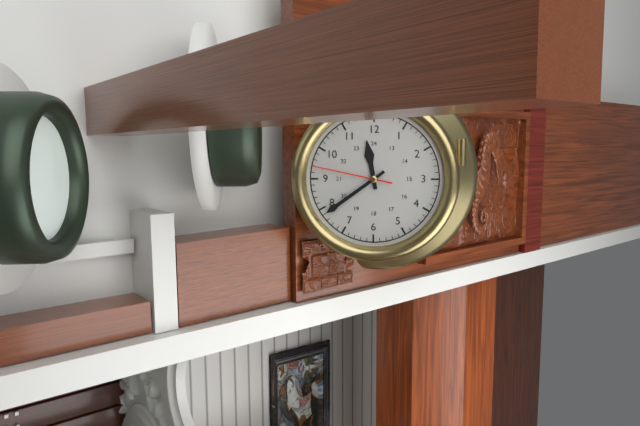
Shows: 11:39:47
